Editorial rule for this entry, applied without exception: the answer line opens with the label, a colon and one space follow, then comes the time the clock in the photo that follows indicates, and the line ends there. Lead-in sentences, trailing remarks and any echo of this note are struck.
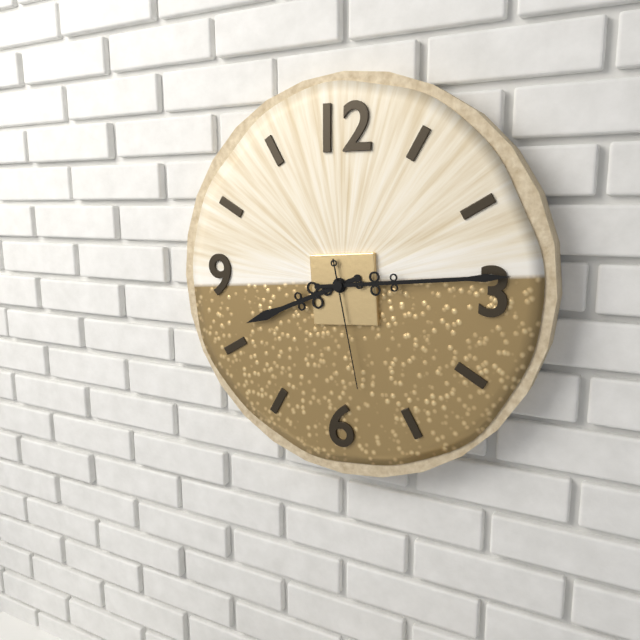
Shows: 8:14:28
